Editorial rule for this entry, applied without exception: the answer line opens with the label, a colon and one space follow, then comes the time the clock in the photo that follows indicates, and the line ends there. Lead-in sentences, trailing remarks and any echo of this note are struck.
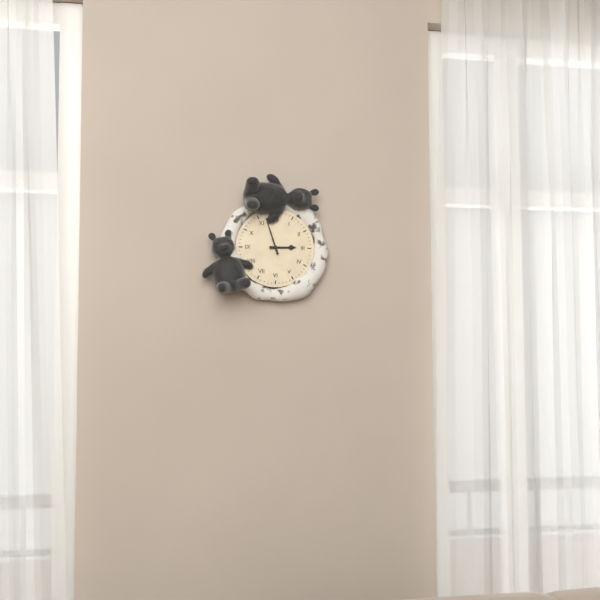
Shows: 2:57
